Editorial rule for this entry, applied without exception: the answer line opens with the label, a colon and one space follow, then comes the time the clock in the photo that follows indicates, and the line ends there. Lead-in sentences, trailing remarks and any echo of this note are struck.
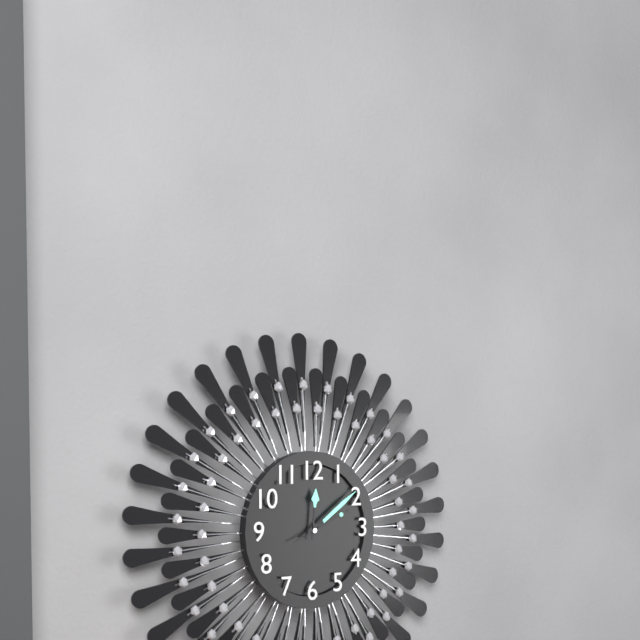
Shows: 12:09:11
